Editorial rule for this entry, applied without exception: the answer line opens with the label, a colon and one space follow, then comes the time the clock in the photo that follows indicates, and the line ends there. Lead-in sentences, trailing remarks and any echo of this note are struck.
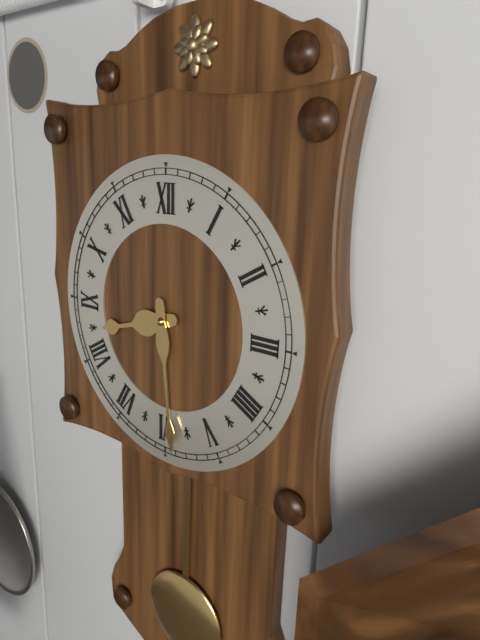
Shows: 8:29
